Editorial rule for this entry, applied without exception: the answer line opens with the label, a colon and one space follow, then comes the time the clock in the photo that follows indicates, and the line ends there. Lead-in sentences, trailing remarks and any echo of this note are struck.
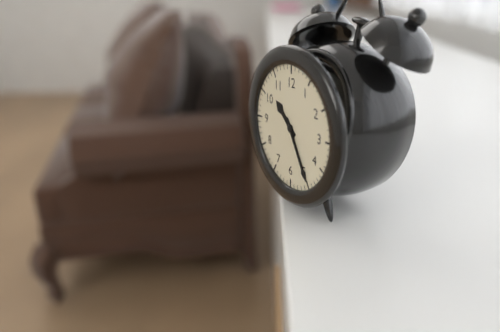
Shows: 10:25
